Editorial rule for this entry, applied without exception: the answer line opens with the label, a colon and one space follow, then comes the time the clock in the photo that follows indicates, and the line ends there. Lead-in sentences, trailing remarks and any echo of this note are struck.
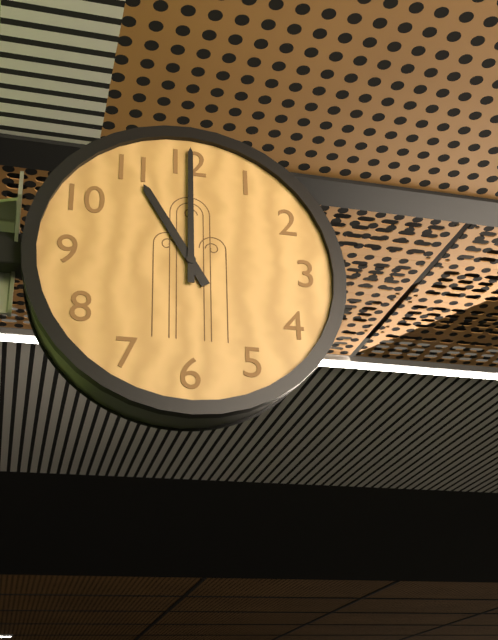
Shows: 11:00
